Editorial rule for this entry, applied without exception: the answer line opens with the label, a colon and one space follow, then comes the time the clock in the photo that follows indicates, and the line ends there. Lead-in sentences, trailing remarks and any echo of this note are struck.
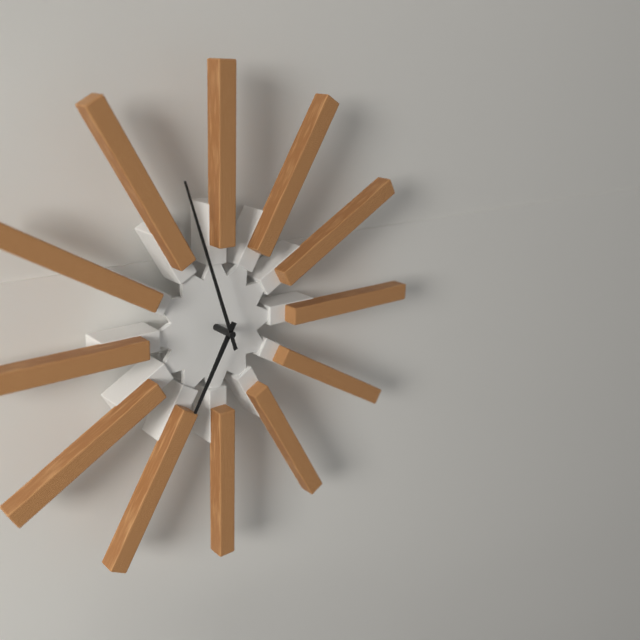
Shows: 6:57
